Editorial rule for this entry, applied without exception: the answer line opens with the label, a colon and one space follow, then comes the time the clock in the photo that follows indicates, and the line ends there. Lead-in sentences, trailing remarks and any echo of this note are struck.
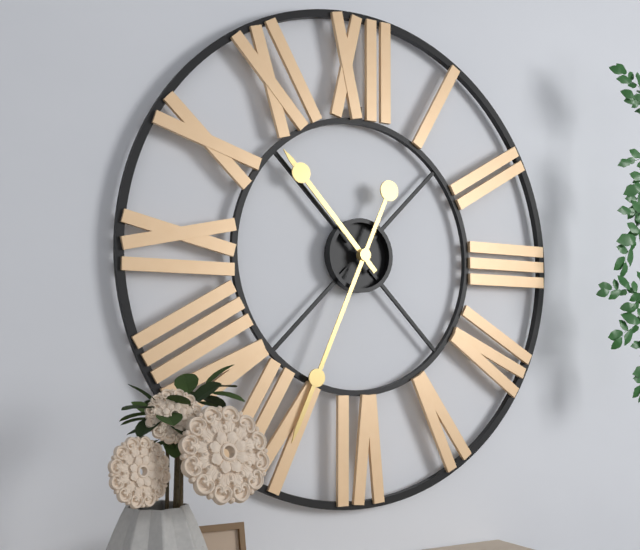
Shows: 10:34
